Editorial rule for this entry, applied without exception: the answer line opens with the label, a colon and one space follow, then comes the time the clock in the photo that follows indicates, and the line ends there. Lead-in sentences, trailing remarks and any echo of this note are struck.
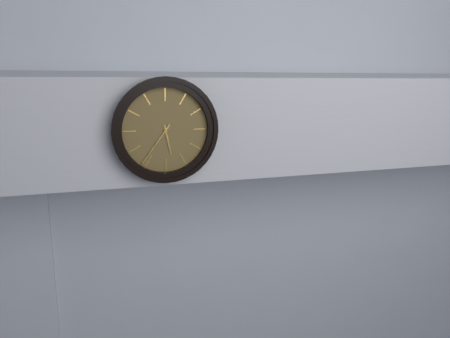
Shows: 5:36
